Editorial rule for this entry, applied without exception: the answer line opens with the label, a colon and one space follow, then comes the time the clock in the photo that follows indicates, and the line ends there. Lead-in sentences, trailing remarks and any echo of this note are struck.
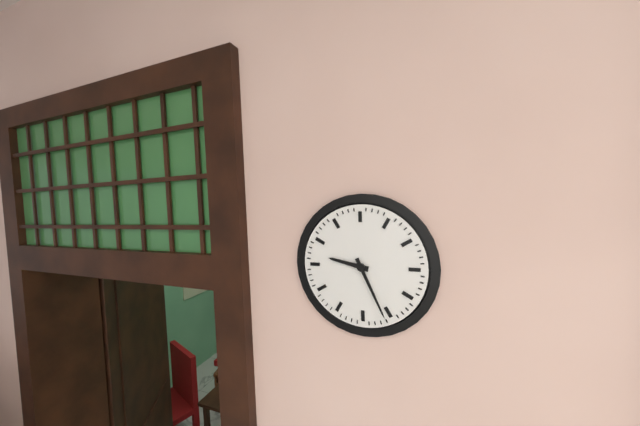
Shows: 9:26
